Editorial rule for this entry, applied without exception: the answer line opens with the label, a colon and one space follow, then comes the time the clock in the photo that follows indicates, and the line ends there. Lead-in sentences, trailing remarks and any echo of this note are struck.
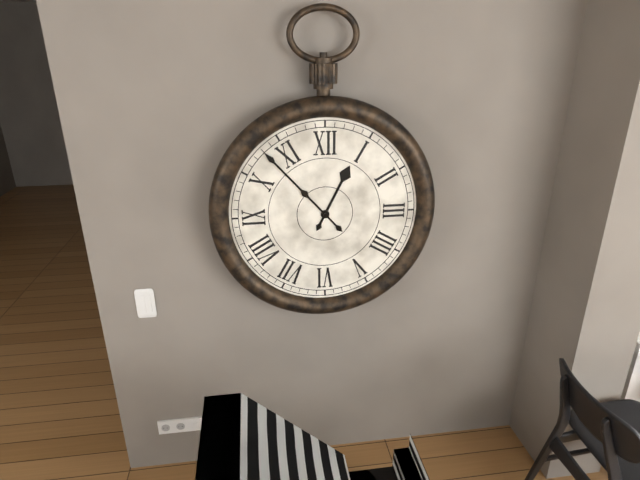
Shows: 12:53
